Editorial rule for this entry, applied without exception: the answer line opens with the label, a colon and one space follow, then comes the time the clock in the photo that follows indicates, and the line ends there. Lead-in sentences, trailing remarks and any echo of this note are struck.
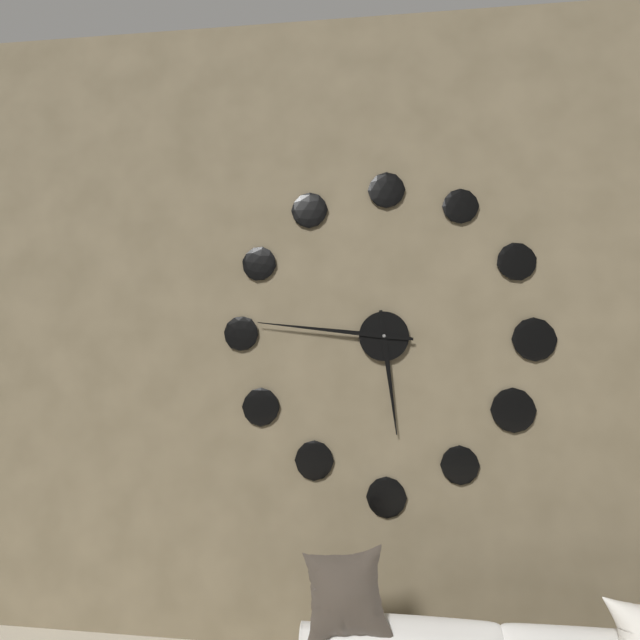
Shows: 5:46
